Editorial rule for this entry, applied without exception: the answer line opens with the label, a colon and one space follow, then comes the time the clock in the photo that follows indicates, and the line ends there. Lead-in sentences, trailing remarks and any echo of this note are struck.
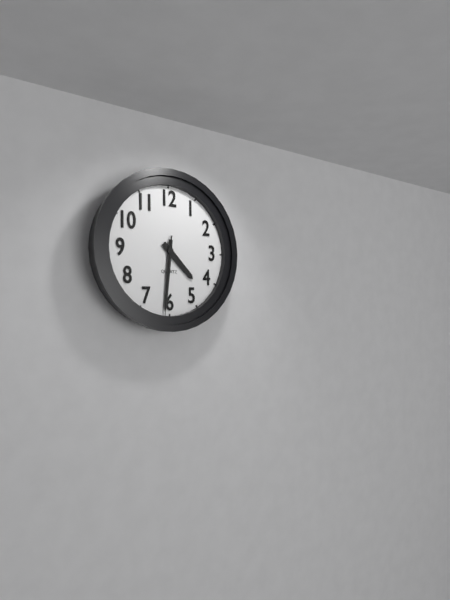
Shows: 4:31:31
